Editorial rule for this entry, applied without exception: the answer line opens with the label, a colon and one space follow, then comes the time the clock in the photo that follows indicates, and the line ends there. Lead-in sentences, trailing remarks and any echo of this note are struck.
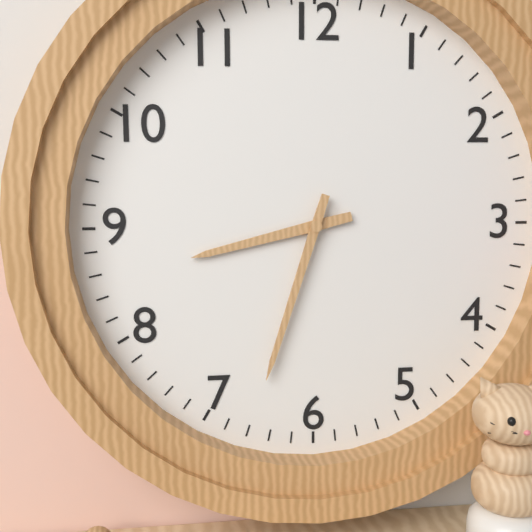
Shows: 8:33
